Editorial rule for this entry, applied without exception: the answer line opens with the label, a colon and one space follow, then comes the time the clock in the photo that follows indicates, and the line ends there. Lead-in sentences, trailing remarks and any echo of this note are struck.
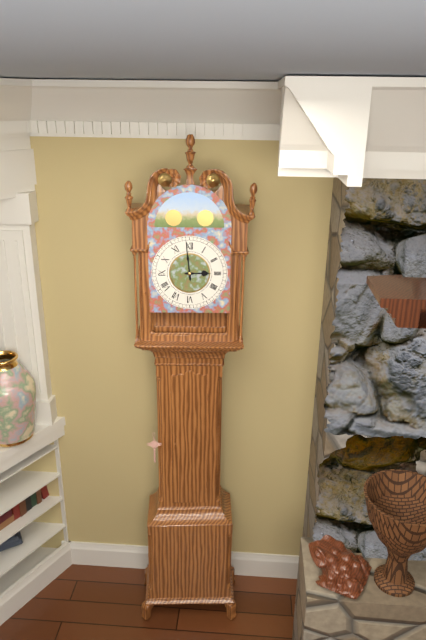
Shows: 2:59
